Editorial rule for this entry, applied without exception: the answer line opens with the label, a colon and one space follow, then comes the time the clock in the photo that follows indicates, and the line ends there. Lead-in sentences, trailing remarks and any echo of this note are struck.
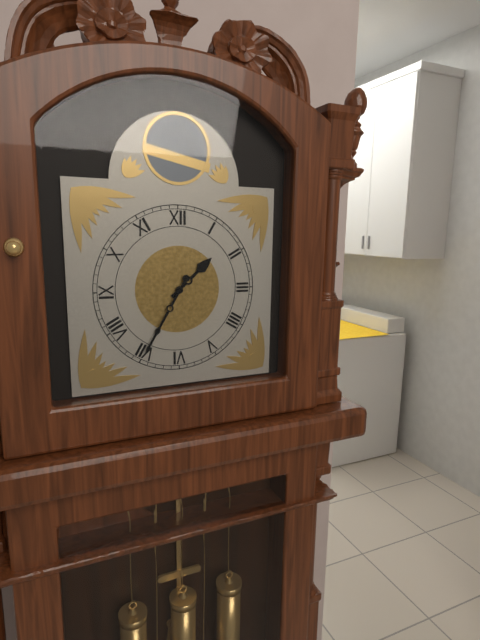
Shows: 1:35
